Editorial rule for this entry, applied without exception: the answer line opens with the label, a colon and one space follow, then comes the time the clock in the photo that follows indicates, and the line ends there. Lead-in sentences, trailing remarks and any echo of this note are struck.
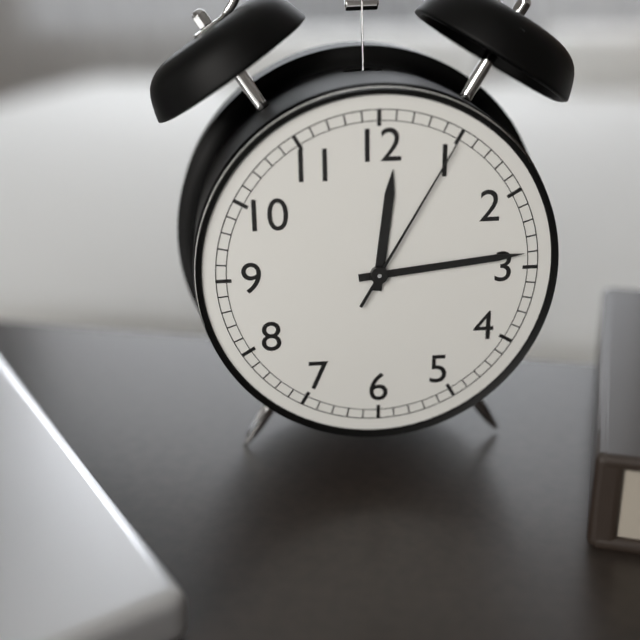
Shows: 12:14:05
